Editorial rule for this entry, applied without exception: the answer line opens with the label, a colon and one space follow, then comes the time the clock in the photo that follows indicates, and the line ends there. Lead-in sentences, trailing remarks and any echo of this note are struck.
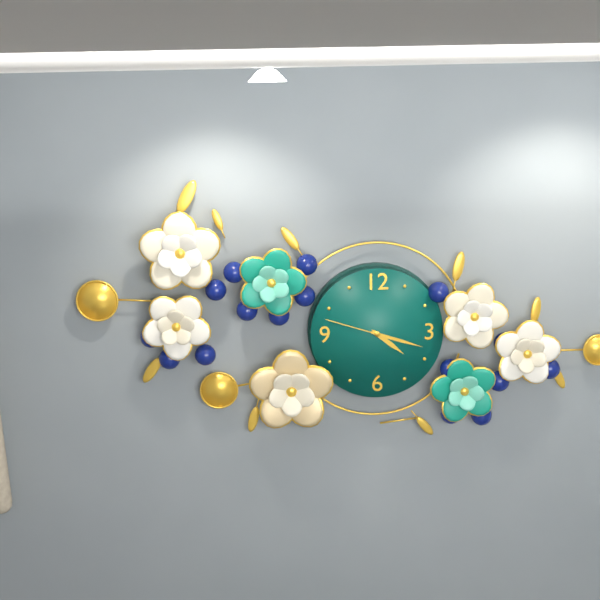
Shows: 4:18:48
